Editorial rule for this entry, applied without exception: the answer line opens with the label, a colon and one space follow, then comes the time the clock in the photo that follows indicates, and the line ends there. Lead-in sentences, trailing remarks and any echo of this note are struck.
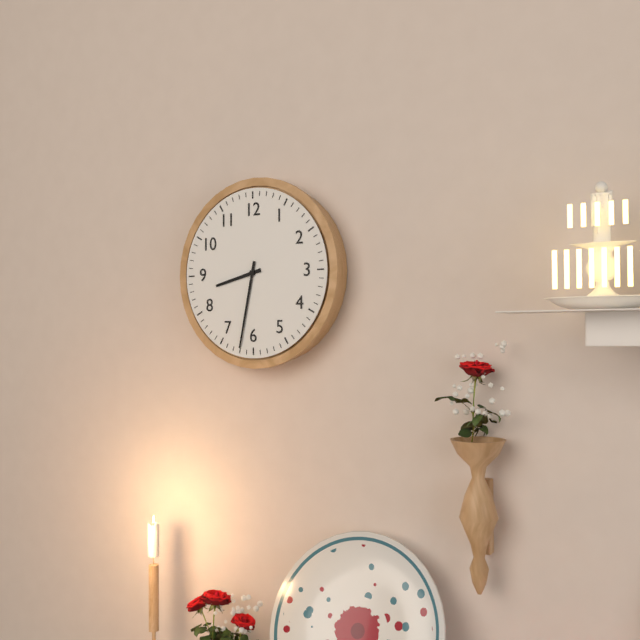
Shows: 8:32
